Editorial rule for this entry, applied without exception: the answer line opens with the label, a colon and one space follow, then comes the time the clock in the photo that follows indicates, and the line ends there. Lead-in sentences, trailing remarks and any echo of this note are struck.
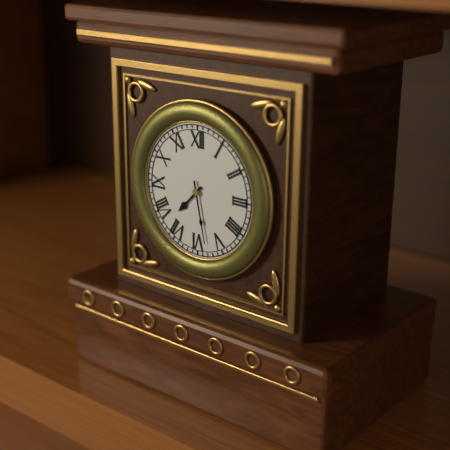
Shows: 7:28
